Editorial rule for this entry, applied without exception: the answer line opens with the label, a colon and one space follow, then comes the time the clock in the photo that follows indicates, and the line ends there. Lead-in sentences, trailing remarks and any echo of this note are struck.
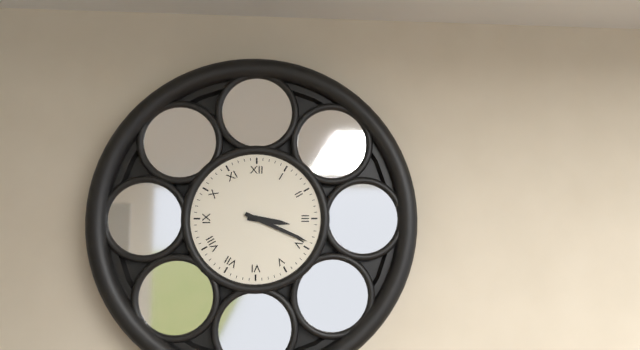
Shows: 3:19
